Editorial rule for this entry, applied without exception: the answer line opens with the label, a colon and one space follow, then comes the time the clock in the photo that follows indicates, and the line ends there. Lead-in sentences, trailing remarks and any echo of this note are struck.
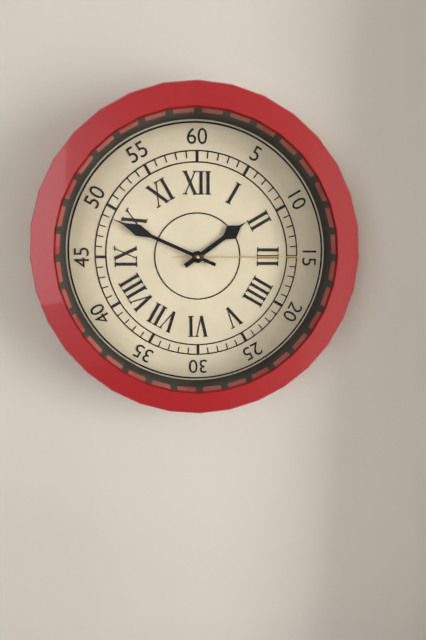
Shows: 1:49:15
